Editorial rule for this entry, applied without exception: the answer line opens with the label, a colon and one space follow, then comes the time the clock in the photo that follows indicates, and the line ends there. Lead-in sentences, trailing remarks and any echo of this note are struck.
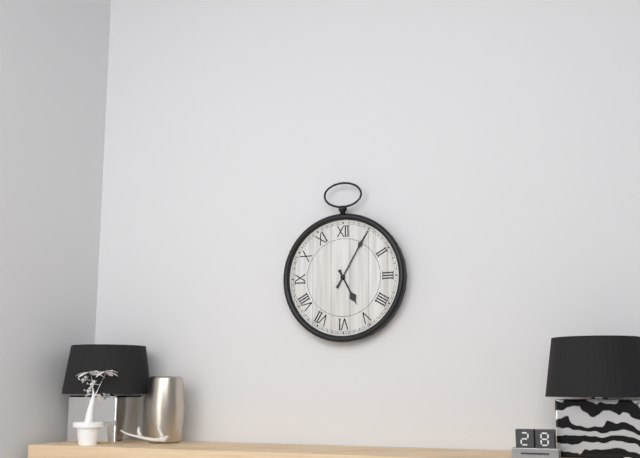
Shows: 5:05
